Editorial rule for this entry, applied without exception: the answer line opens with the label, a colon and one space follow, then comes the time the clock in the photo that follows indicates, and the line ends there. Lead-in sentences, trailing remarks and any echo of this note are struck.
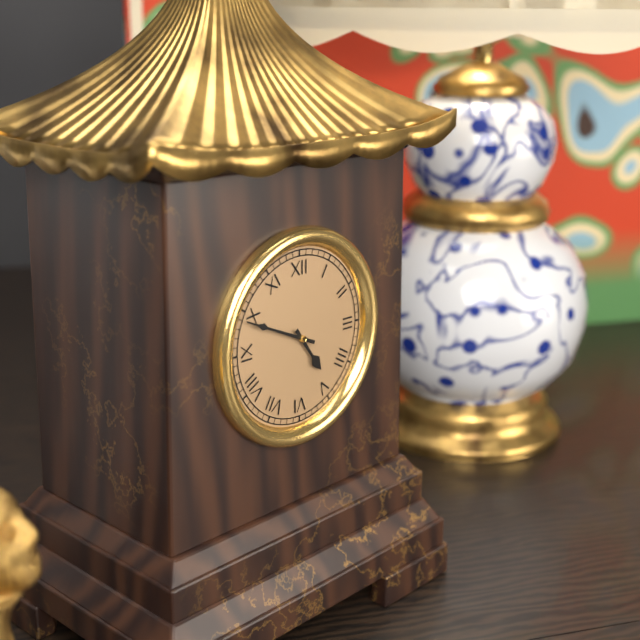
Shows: 4:49
